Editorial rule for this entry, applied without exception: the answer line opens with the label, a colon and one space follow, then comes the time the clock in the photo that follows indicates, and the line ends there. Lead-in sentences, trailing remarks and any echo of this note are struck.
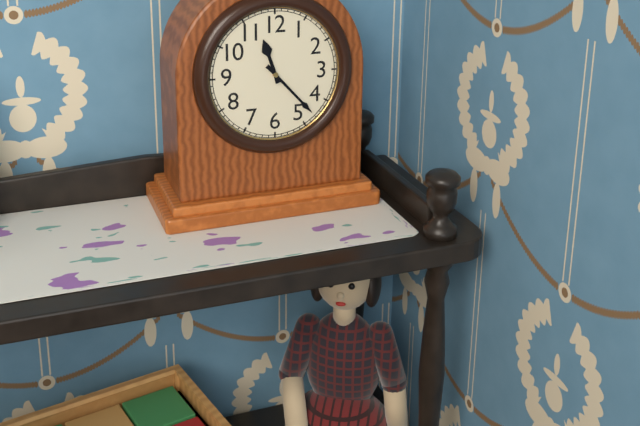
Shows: 11:23
